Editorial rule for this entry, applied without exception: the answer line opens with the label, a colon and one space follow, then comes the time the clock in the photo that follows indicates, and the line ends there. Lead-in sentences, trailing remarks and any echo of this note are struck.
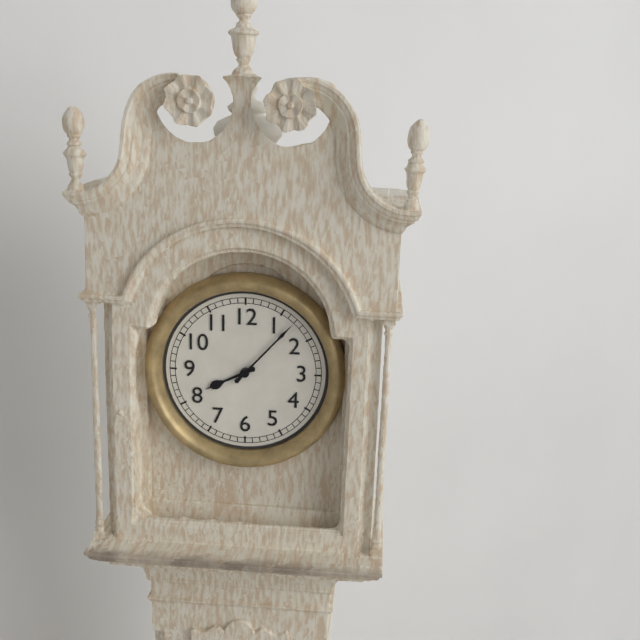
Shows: 8:07
